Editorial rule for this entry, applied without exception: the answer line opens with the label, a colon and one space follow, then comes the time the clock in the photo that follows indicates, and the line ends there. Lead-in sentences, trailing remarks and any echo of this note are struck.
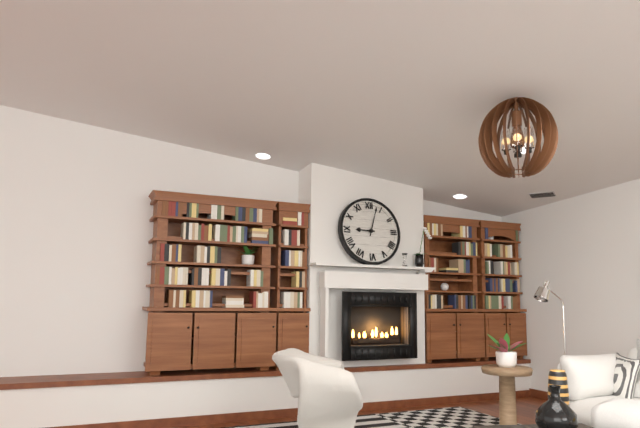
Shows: 9:03
